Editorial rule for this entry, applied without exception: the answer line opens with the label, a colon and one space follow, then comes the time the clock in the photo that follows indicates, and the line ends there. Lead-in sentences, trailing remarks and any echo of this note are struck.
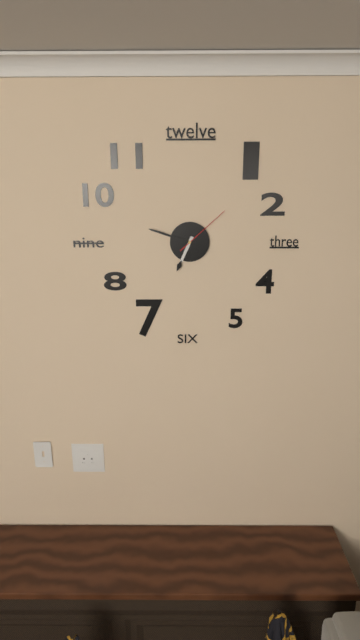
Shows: 6:48:08
